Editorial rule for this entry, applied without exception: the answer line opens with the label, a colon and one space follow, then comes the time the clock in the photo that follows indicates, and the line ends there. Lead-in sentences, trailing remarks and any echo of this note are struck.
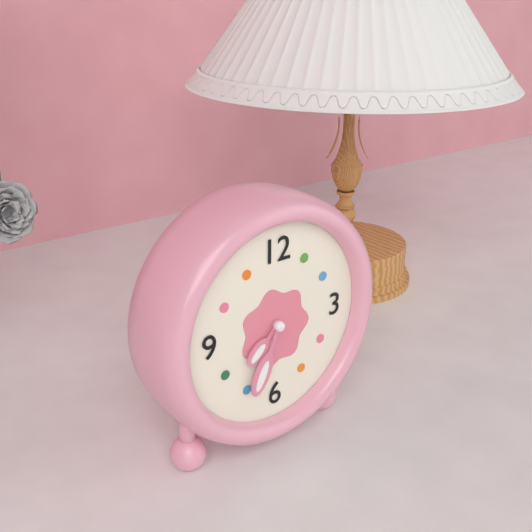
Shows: 7:34
